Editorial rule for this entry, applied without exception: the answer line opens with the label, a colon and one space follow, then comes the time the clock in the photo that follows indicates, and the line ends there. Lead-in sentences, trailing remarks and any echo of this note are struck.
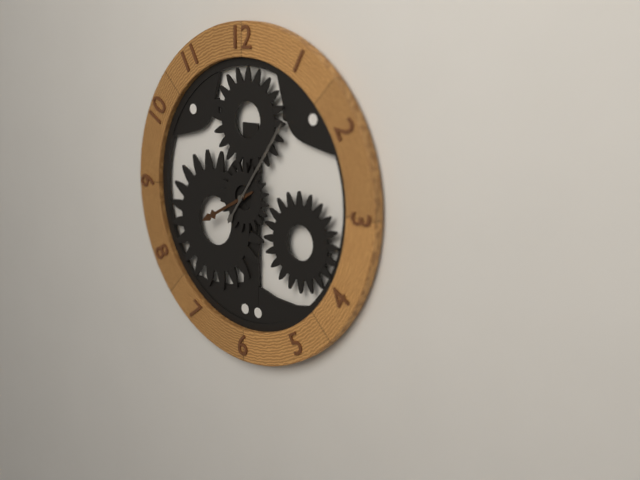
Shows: 8:06
